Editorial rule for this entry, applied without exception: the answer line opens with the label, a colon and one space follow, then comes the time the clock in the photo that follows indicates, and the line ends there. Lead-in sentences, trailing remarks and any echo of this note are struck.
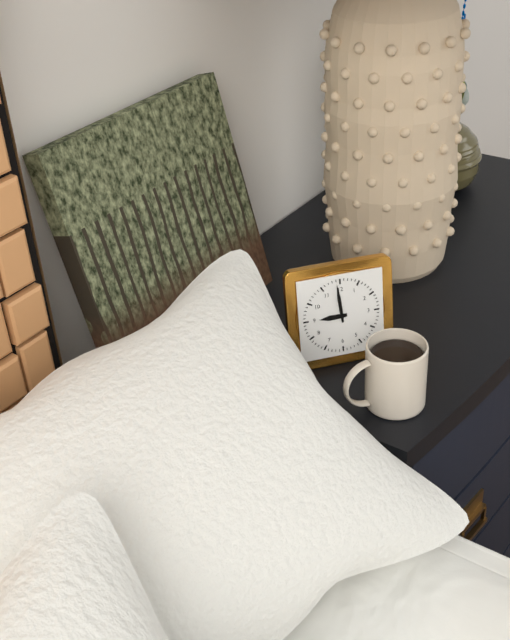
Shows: 8:59
